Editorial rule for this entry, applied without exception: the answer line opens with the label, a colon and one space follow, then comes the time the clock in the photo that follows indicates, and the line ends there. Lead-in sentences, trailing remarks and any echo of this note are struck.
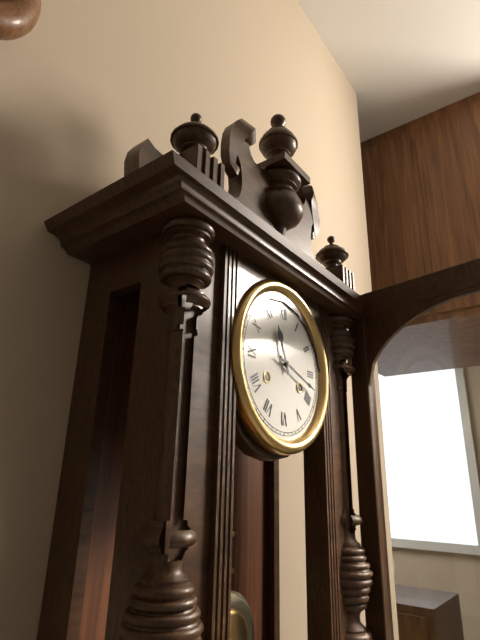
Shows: 11:18
